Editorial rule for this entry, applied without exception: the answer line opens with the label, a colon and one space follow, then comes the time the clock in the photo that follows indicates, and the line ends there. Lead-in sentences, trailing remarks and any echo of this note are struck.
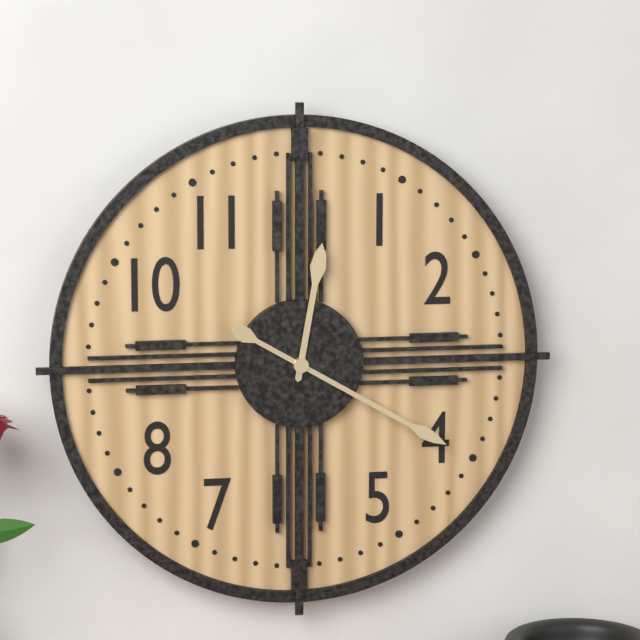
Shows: 12:20
